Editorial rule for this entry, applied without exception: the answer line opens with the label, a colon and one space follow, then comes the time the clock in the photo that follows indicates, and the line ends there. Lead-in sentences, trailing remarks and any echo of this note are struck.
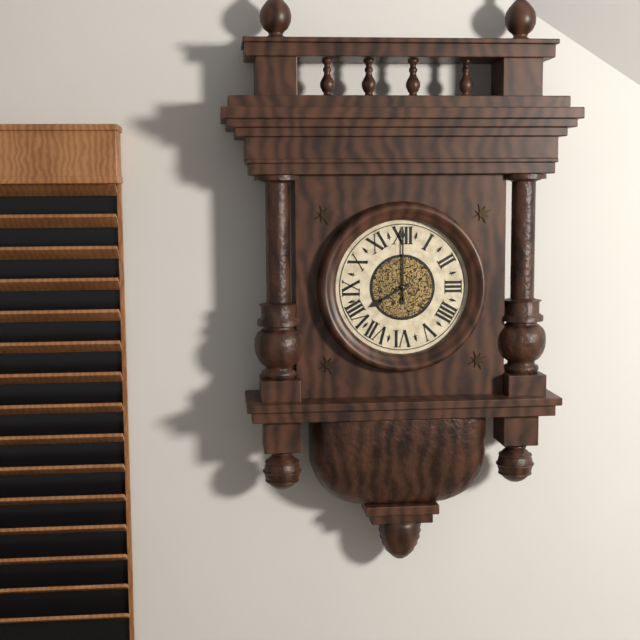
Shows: 8:00
